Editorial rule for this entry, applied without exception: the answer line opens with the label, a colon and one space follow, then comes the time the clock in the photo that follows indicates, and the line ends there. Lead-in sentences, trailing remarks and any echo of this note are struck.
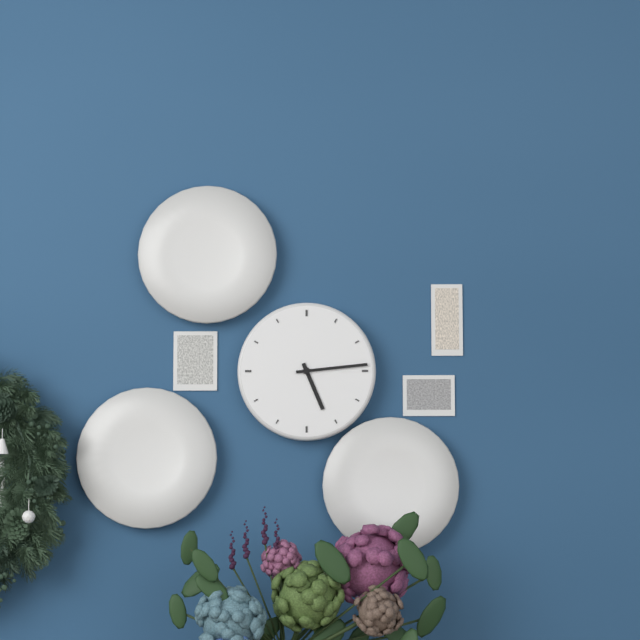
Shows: 5:14
